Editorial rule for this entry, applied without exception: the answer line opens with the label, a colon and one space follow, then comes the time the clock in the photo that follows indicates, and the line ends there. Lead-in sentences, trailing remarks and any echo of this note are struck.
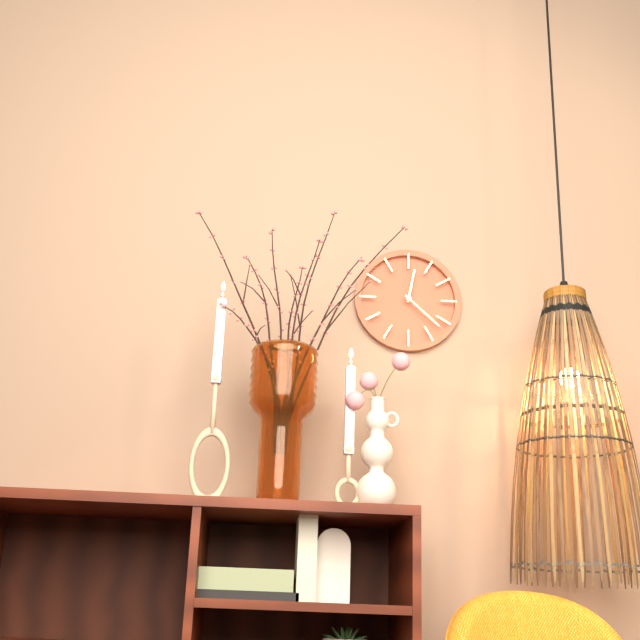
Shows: 12:22
